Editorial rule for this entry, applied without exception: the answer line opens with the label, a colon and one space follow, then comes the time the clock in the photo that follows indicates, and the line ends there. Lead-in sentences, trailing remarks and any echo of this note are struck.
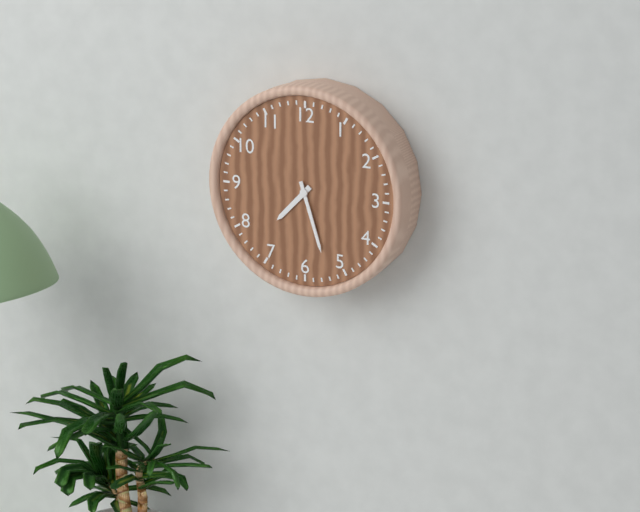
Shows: 7:27
